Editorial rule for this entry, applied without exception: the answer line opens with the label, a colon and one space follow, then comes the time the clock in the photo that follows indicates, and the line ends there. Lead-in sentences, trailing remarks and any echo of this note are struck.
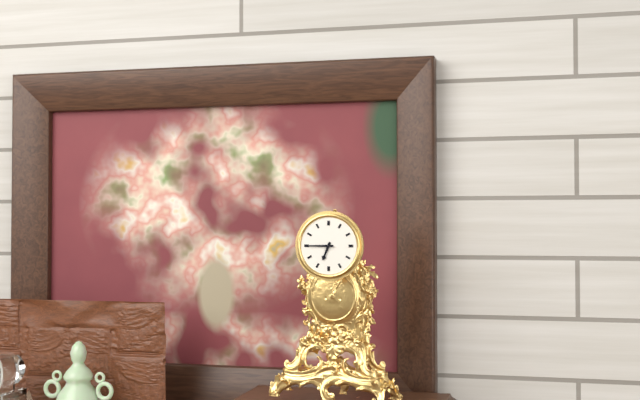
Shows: 6:45
